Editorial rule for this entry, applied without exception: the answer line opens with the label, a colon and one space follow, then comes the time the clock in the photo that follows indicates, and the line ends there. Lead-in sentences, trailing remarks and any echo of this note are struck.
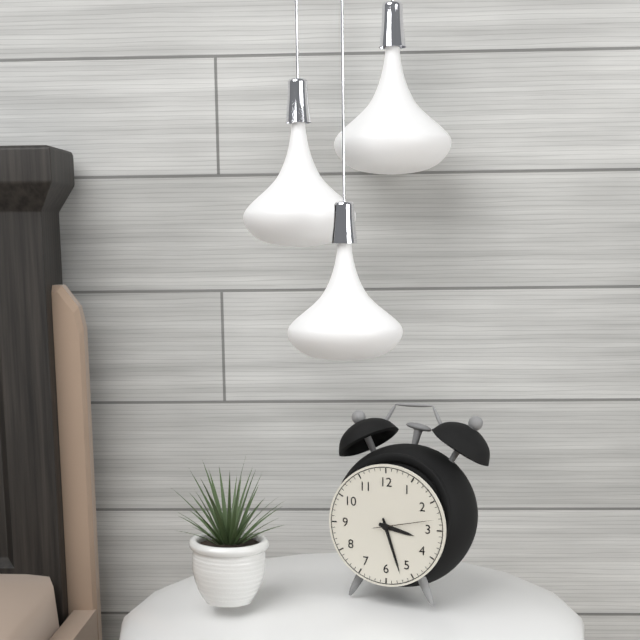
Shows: 3:27:13
